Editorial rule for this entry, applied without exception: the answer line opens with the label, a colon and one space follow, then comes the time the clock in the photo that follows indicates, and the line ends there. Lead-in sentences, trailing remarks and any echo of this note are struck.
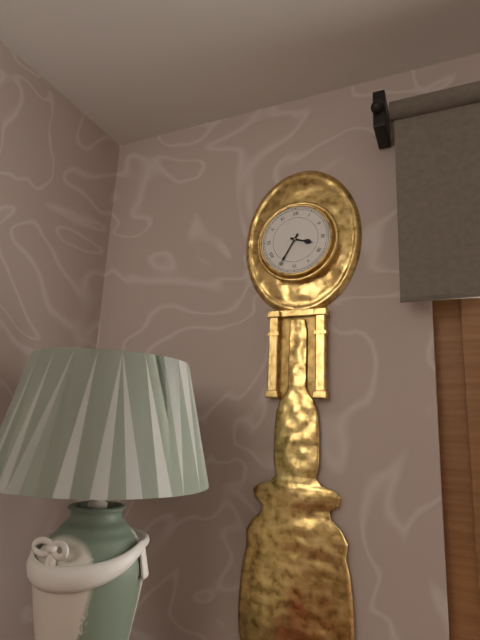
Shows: 3:35
